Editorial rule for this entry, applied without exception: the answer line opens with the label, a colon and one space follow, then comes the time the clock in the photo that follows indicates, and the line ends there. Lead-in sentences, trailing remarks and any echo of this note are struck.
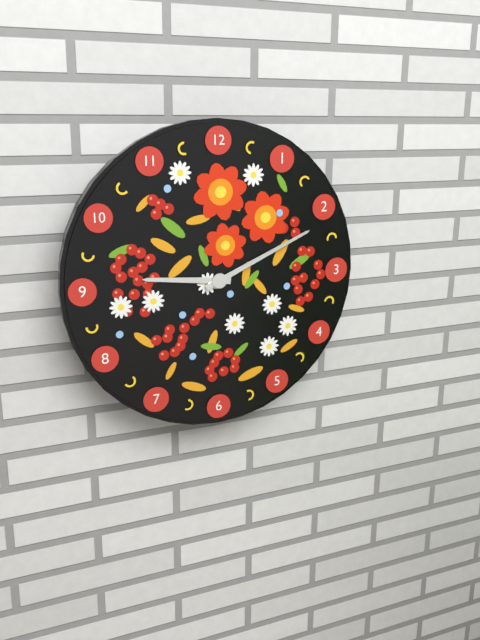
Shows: 9:11
